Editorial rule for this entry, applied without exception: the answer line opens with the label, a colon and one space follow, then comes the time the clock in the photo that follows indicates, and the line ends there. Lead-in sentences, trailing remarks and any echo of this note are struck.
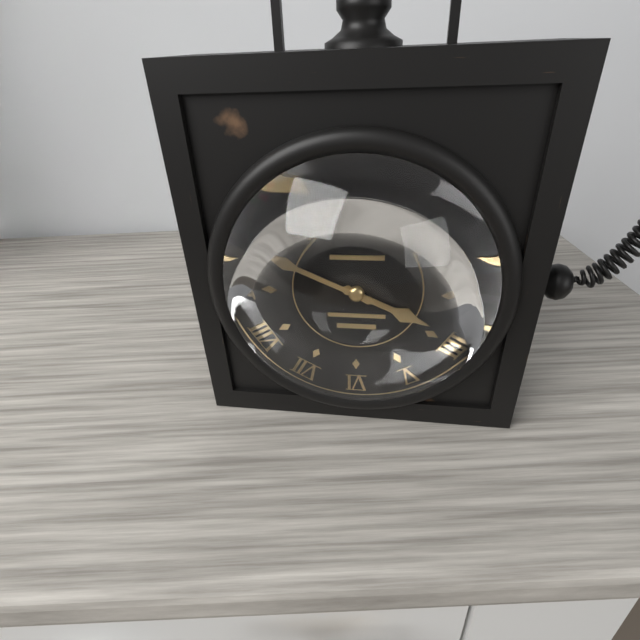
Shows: 3:49
